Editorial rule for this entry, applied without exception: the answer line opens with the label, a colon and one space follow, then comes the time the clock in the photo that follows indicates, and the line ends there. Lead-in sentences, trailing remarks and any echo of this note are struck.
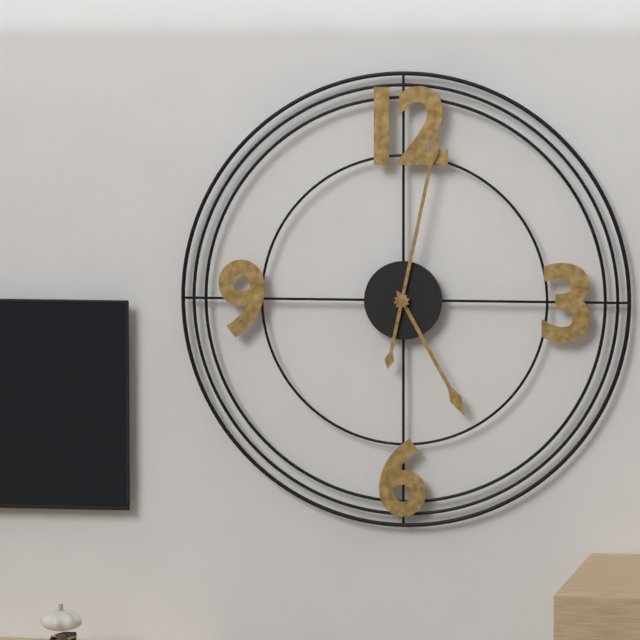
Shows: 5:02
